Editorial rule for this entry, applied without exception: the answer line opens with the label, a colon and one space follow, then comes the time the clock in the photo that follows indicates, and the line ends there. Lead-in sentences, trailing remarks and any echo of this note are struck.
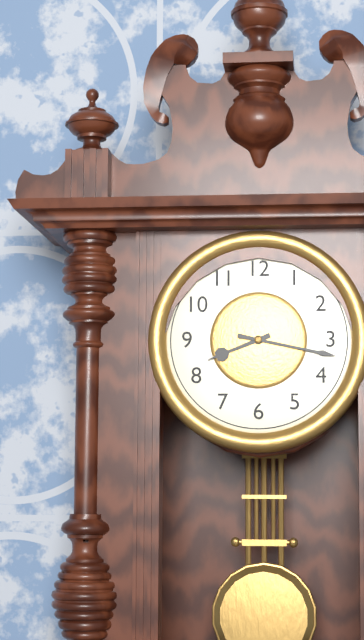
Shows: 8:17
